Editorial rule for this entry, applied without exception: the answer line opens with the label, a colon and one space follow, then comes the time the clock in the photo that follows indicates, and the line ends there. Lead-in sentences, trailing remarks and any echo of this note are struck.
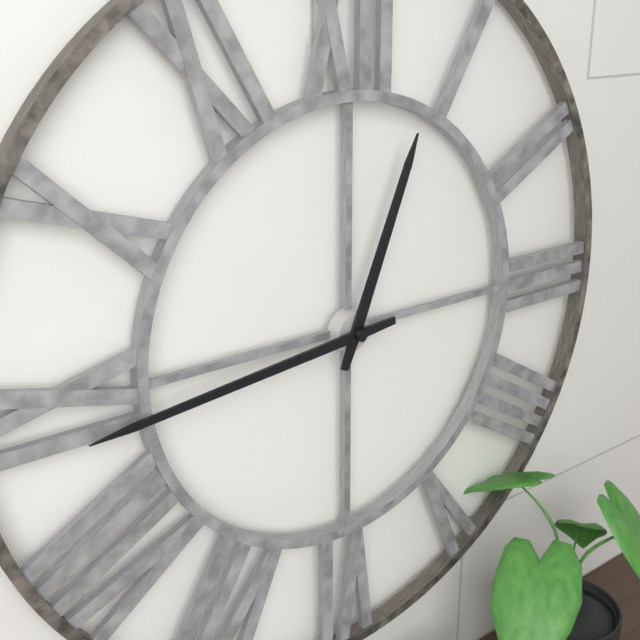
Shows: 12:44
